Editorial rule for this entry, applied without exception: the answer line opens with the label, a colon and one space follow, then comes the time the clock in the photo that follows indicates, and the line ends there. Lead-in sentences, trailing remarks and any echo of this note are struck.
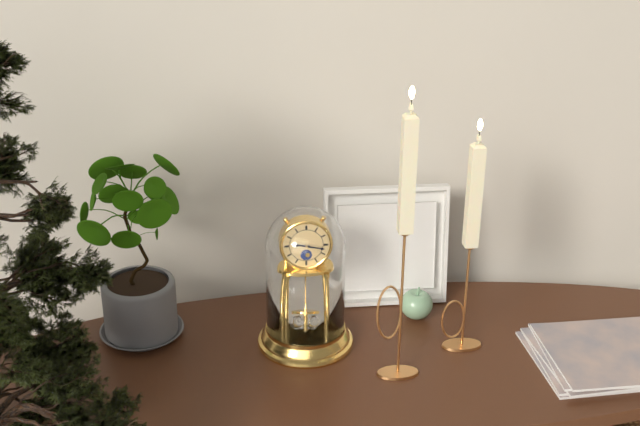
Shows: 9:17
